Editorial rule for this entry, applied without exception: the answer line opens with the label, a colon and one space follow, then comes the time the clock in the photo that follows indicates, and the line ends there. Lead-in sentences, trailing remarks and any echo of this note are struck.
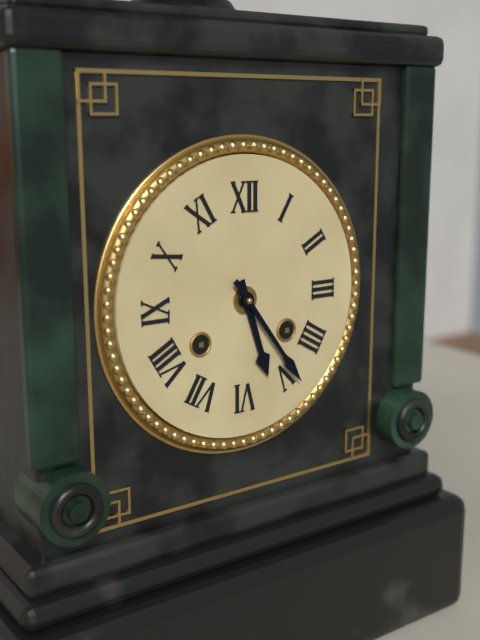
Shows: 5:24
